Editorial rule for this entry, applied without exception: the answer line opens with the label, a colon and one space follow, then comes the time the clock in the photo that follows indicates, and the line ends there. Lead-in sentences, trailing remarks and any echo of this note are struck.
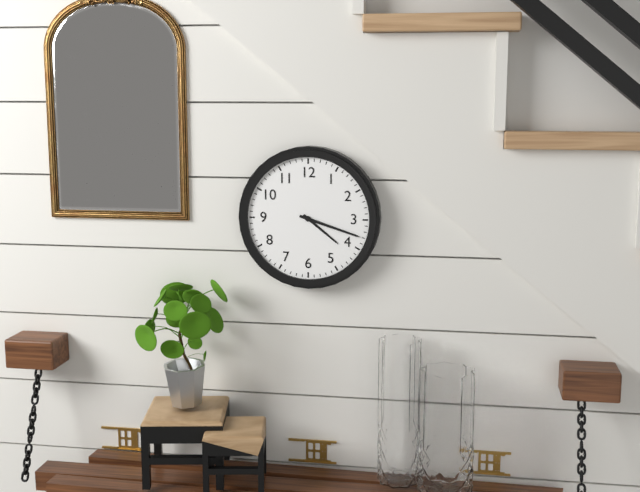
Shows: 4:18
